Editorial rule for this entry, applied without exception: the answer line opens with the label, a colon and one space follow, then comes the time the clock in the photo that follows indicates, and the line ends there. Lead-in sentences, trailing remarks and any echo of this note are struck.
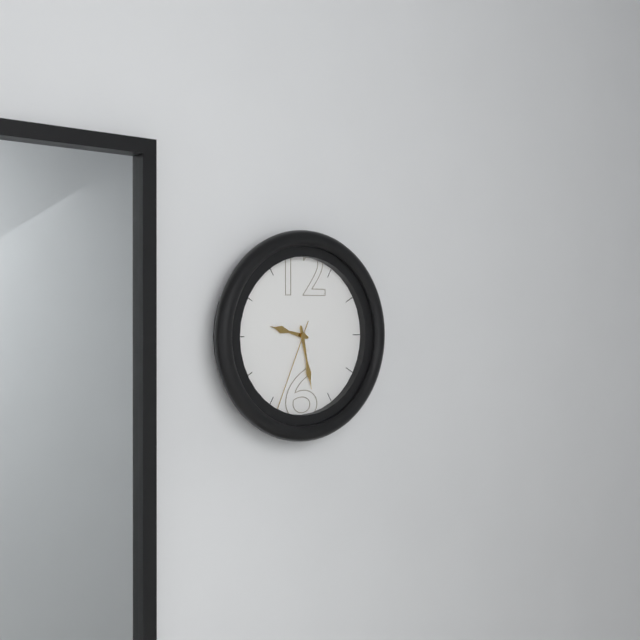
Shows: 9:28:34
